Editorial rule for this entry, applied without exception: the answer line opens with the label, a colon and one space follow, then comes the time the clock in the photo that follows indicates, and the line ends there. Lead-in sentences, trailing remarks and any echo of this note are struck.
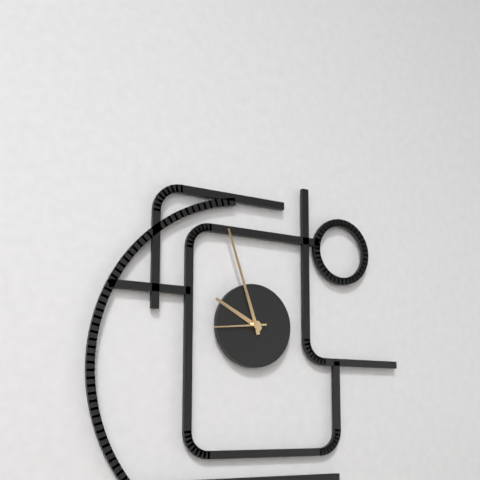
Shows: 9:57
